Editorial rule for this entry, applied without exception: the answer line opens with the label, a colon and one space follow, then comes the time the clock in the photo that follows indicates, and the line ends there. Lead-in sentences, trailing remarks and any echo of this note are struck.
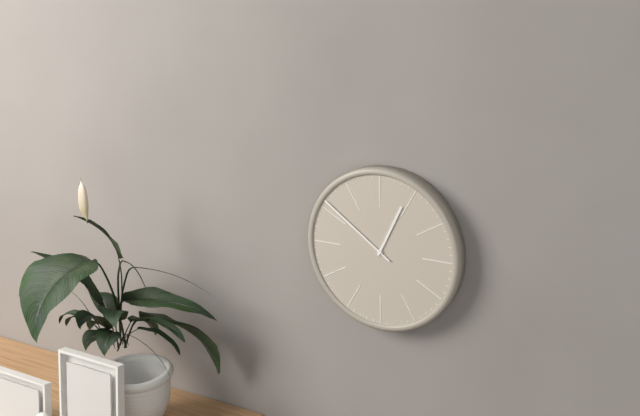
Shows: 12:51
